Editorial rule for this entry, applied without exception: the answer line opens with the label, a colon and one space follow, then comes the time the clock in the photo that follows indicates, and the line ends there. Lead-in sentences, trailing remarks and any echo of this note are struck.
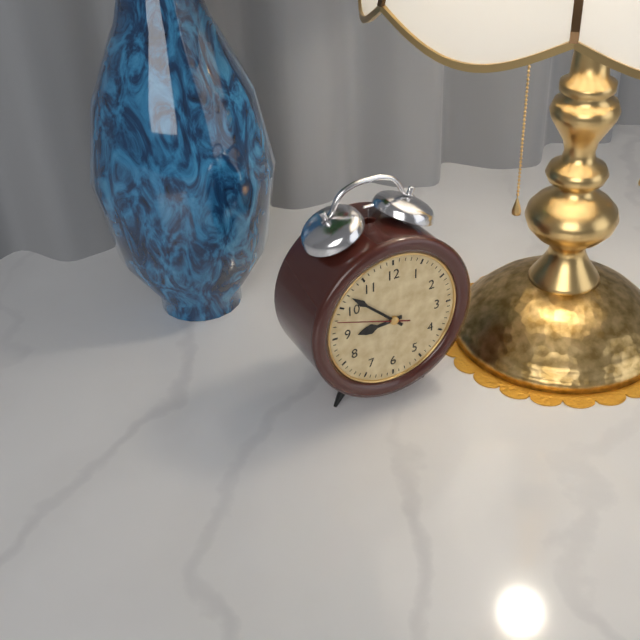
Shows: 8:52:48
